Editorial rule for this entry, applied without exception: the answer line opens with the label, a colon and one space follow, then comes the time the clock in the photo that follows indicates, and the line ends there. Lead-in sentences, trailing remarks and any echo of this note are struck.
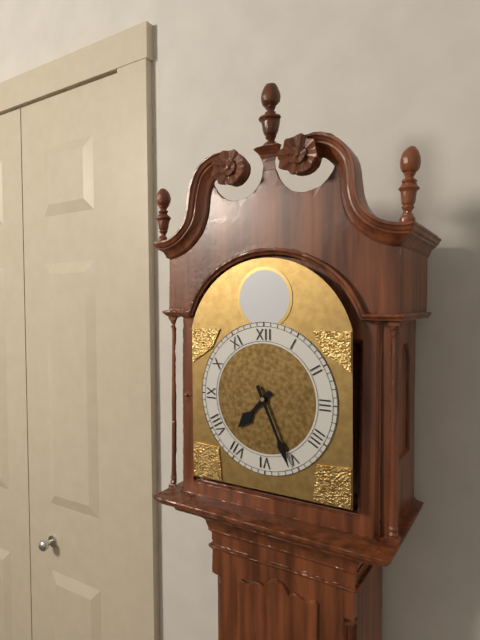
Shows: 7:26
